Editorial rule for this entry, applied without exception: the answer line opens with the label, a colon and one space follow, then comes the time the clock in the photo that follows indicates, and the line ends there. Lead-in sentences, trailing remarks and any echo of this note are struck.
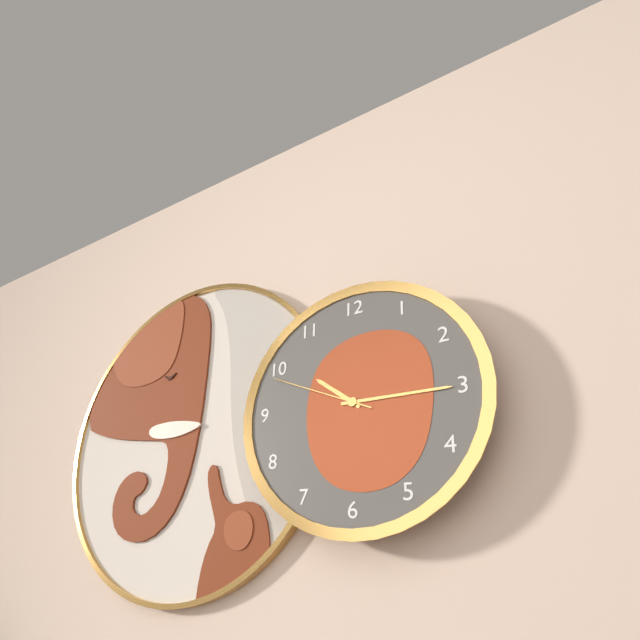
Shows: 10:15:49
